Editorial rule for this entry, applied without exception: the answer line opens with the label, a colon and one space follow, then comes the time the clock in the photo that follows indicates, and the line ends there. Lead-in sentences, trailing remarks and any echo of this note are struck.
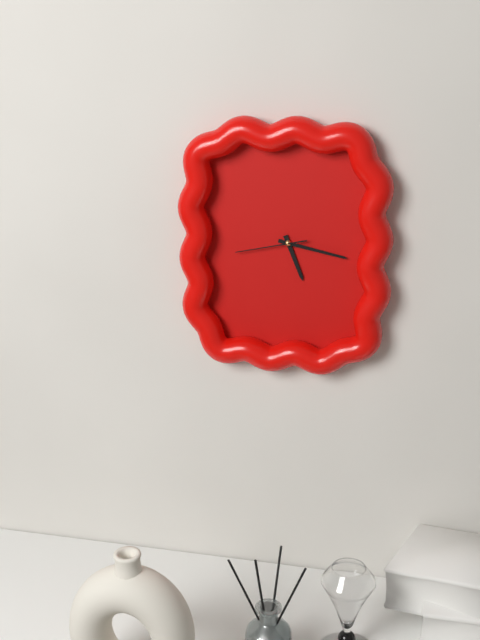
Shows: 5:17:43
